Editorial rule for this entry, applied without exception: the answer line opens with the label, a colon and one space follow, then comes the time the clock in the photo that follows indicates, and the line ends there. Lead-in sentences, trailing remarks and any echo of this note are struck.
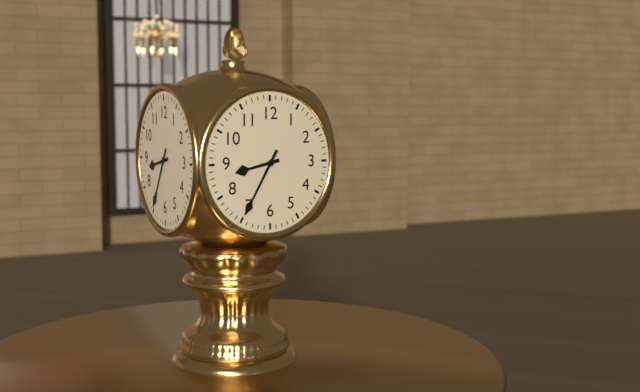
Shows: 8:35
